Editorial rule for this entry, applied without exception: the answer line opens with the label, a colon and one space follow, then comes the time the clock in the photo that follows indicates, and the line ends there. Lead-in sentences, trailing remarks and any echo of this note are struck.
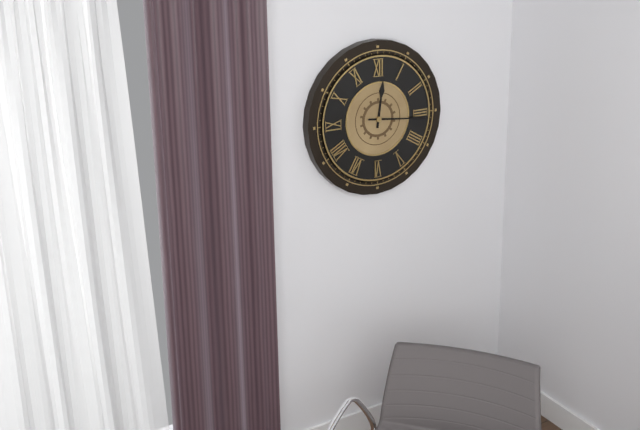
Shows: 12:16
